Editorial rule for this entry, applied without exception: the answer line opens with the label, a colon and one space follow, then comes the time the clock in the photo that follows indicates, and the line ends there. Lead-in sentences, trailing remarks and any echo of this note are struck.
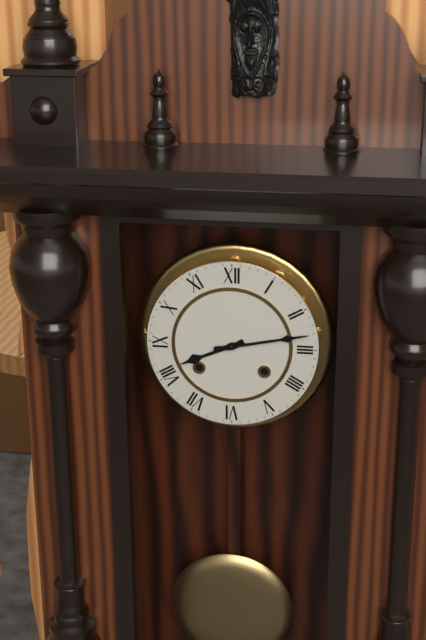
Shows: 8:13
